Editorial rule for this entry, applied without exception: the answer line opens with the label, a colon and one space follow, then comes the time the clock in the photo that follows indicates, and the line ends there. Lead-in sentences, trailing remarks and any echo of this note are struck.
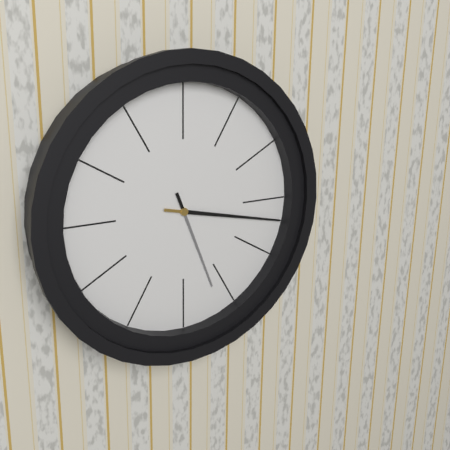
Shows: 5:17
